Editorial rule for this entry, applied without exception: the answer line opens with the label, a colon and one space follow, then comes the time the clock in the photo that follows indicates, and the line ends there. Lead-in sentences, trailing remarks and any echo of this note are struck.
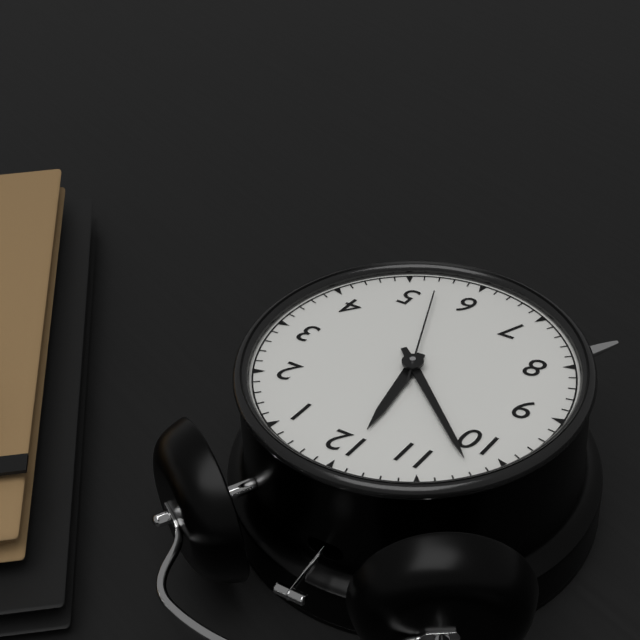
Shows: 11:52:27
